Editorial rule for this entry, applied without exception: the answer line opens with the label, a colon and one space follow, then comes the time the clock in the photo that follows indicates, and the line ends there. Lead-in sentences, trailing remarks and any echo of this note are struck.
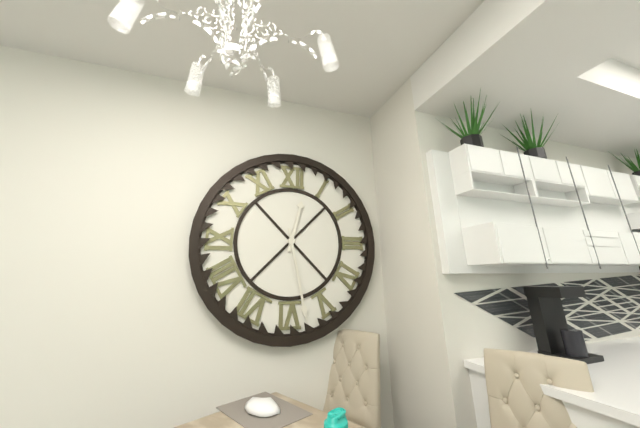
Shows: 12:28
